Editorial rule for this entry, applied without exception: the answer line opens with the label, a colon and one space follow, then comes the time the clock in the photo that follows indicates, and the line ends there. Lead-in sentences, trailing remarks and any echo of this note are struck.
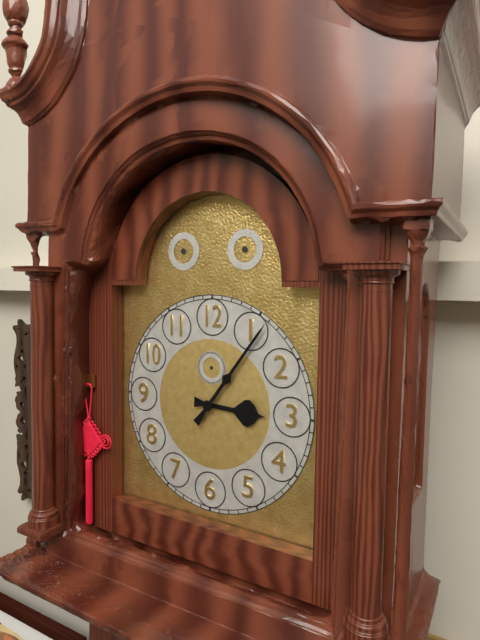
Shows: 3:06
